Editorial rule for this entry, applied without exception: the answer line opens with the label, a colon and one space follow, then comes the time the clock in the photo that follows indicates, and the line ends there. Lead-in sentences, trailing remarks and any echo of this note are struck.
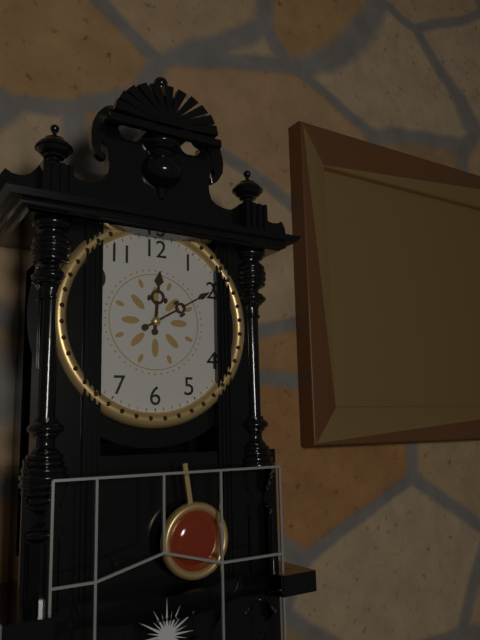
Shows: 12:10
